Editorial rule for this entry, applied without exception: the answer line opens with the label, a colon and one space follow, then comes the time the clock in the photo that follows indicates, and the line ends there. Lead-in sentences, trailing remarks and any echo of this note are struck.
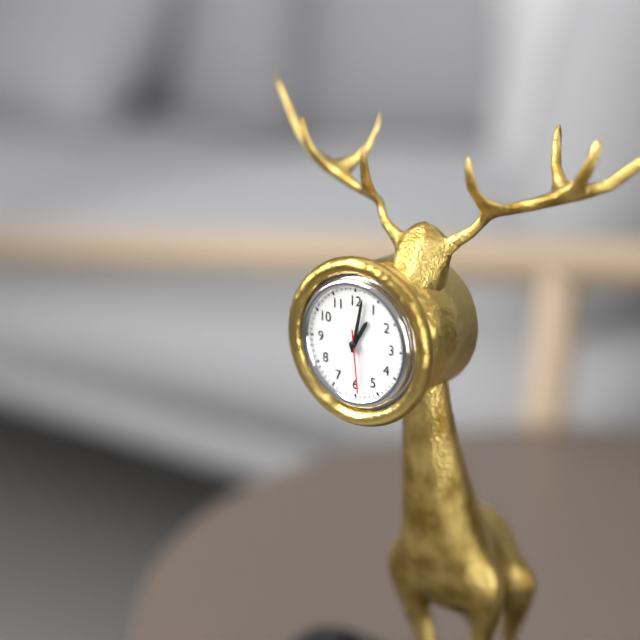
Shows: 1:02:29
